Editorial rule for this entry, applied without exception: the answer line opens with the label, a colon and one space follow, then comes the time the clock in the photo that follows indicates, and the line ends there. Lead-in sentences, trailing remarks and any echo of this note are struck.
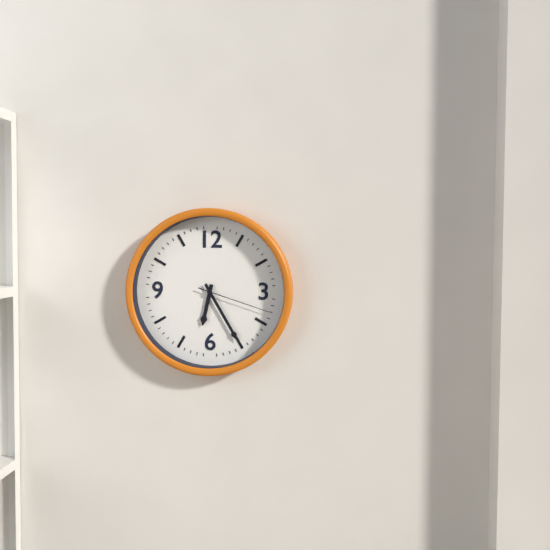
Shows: 6:25:18
